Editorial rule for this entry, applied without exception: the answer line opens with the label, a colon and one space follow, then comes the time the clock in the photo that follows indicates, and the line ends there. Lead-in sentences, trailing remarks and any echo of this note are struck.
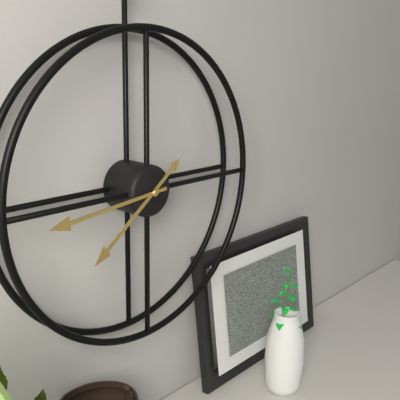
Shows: 7:44
